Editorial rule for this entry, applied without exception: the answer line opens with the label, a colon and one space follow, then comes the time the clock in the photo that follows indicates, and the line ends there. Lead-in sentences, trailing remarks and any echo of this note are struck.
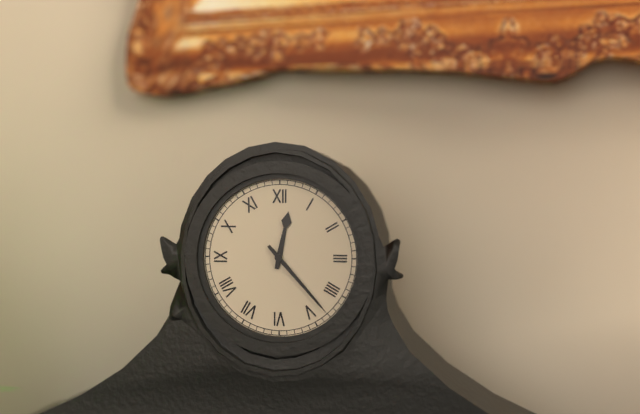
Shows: 12:23
